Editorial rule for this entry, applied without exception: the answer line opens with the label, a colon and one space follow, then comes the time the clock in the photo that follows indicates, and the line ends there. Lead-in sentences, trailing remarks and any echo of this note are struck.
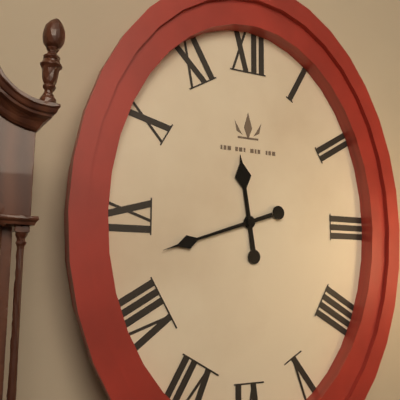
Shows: 11:42
